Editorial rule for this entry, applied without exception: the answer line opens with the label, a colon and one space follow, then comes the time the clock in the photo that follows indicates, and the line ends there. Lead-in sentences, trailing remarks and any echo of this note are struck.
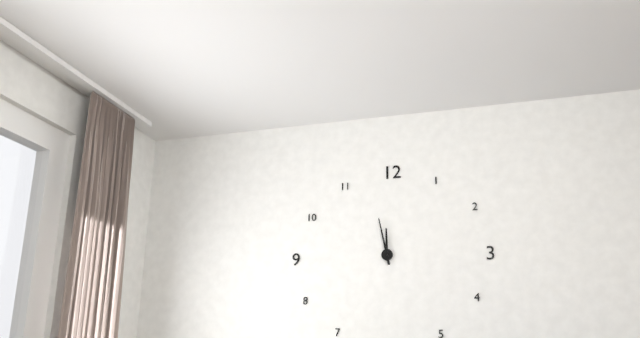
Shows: 11:58
